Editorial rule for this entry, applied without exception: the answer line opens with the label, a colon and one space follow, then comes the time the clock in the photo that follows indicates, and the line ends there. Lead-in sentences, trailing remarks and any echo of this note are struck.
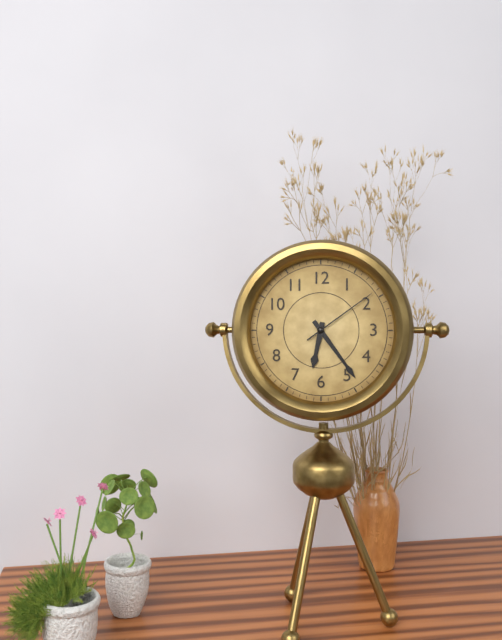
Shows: 6:24:09
